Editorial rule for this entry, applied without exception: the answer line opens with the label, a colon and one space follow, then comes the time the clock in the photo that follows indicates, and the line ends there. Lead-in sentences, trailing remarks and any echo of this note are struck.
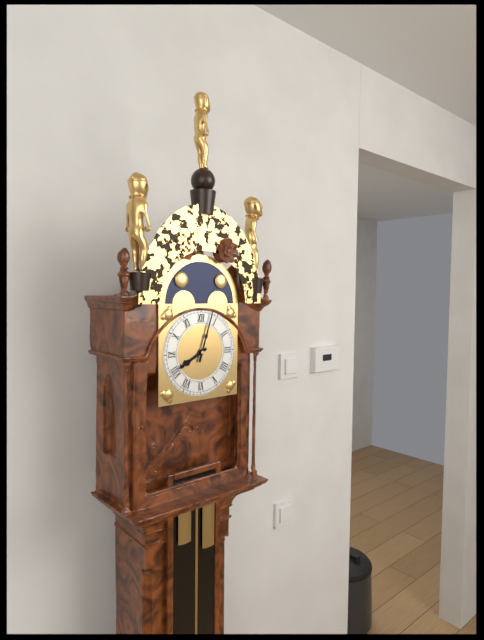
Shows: 8:03
